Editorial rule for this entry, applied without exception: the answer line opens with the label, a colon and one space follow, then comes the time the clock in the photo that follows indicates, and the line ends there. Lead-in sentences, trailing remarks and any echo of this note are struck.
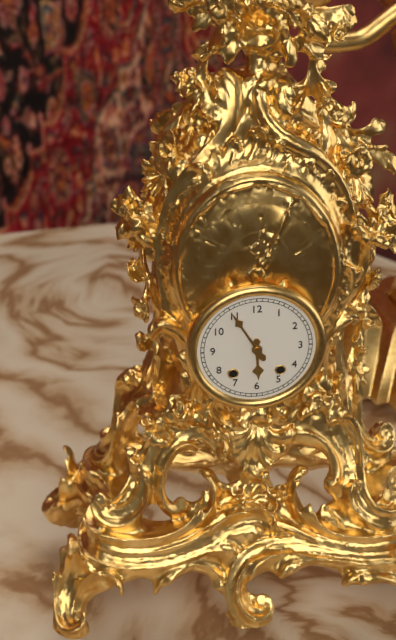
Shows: 5:55
